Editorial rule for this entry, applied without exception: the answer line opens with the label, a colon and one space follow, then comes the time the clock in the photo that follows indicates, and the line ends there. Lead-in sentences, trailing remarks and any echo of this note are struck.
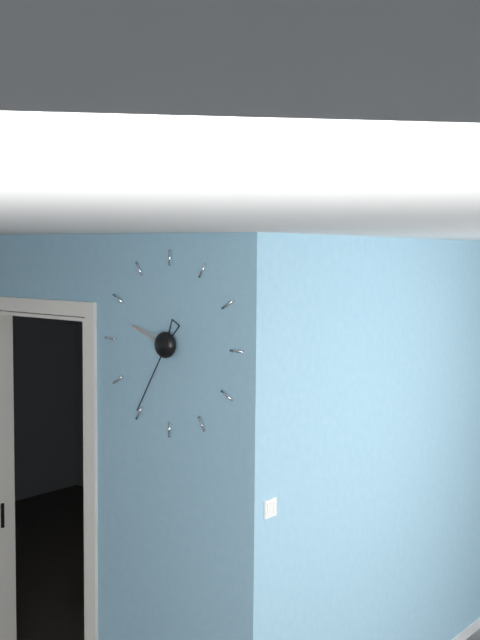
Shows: 9:35
